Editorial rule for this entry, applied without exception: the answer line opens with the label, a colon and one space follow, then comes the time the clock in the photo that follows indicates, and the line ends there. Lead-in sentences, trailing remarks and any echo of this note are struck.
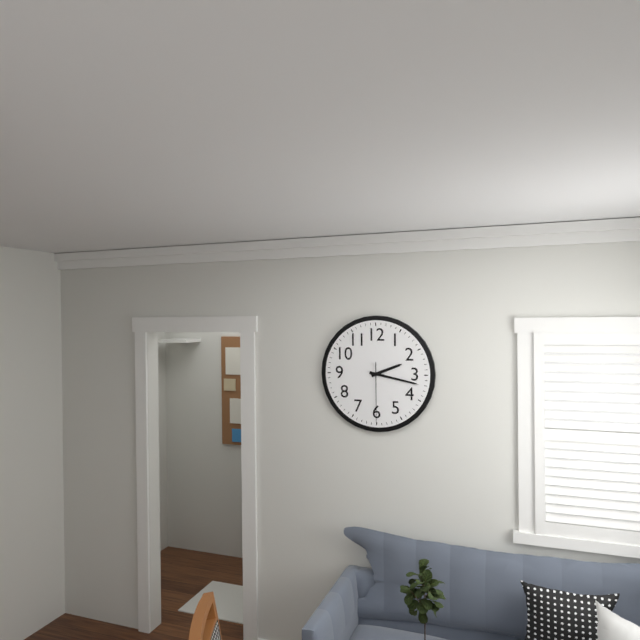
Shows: 2:17:30
